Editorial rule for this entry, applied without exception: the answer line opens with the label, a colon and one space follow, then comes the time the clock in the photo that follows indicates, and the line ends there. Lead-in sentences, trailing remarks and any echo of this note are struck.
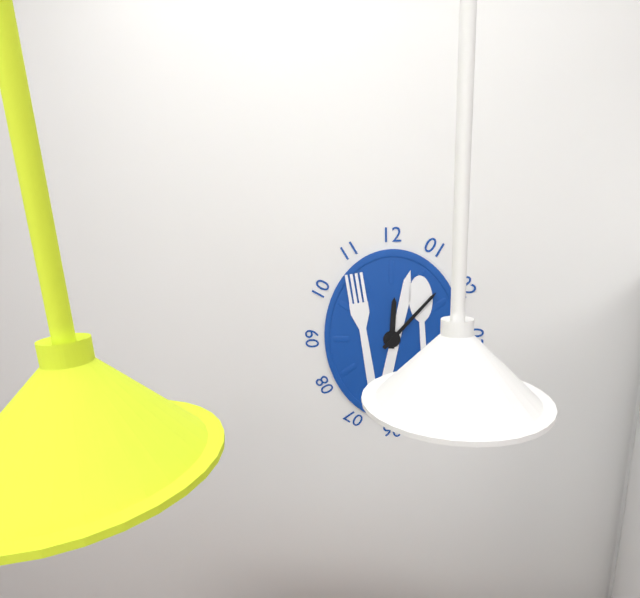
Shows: 12:07
